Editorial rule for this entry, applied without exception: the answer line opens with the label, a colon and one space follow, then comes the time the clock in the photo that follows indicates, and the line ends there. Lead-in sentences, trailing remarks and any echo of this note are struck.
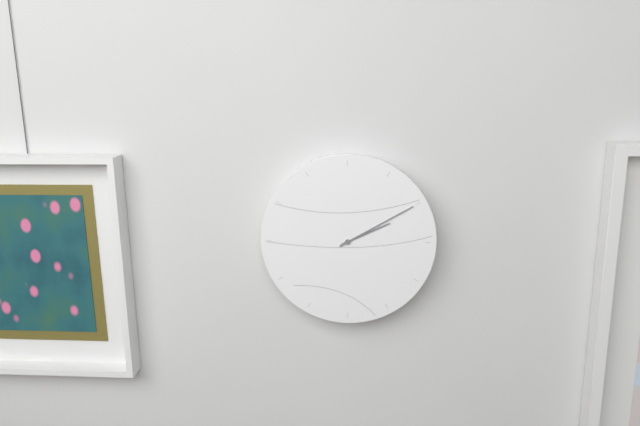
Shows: 2:10
